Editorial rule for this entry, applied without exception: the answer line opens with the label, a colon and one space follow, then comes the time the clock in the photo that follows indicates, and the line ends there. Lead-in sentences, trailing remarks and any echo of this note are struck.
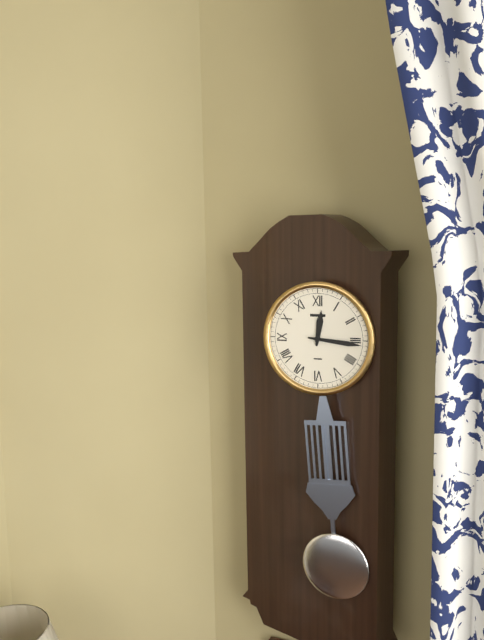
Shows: 12:16
